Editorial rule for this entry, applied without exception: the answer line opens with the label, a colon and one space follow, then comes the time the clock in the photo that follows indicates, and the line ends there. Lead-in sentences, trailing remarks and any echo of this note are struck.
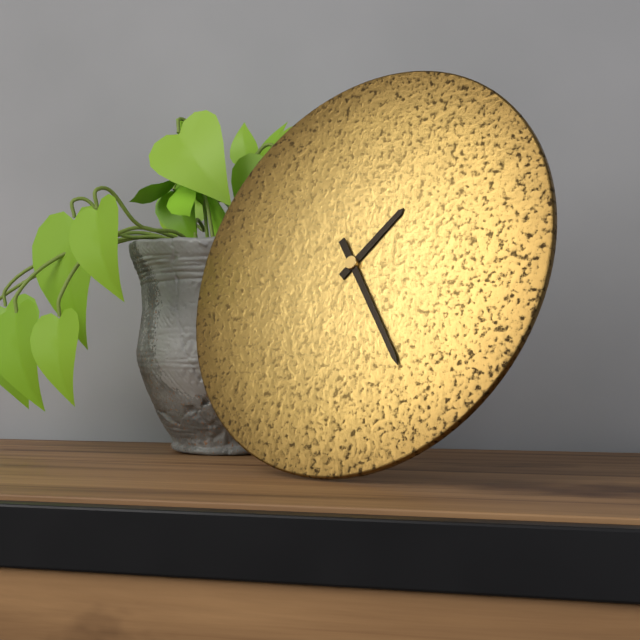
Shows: 1:24
